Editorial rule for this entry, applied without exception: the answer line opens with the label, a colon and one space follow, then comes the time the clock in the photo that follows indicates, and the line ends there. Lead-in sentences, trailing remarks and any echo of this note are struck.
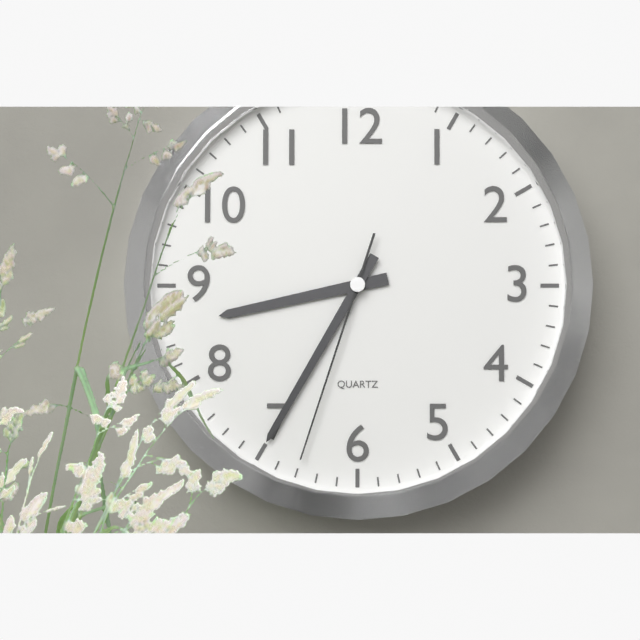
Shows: 8:35:33
